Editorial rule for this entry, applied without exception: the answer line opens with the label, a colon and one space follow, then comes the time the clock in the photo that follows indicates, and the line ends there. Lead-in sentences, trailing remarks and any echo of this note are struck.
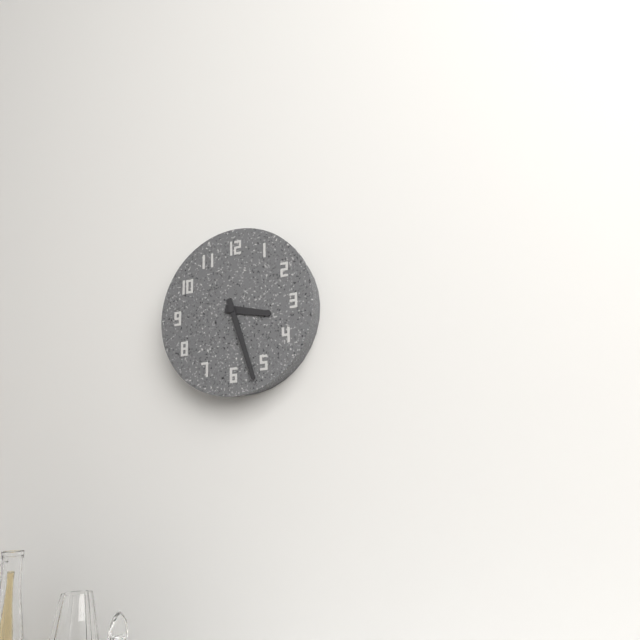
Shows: 3:27
